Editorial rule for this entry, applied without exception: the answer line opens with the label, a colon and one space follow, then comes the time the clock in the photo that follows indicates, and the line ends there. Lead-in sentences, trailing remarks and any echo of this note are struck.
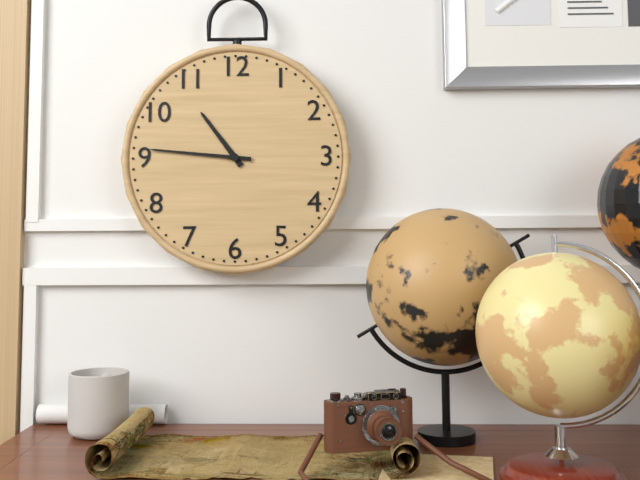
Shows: 10:46
